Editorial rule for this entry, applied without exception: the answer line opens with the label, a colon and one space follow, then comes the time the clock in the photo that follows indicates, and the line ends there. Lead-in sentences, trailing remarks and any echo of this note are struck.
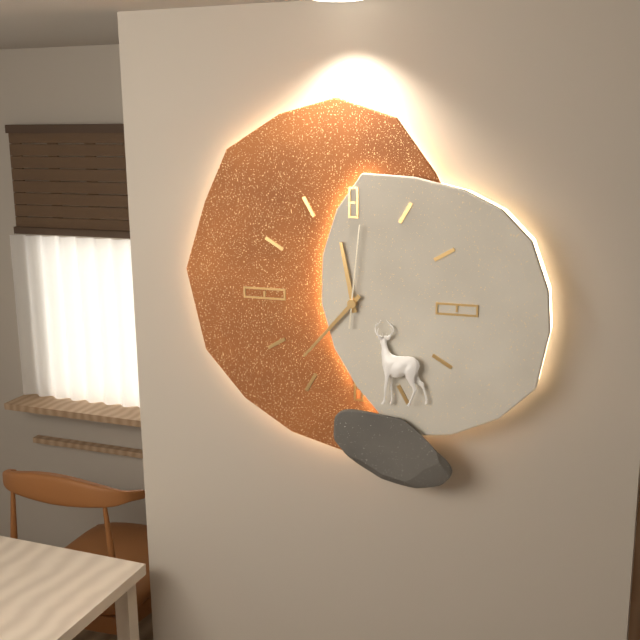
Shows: 11:37:01
